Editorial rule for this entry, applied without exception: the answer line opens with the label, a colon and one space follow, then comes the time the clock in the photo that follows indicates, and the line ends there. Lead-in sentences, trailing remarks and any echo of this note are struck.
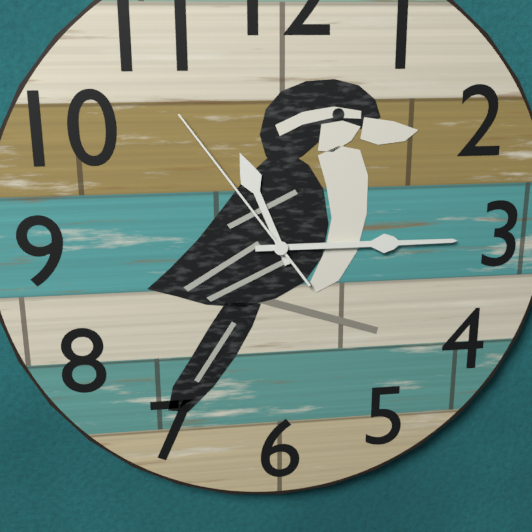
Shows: 11:15:54
